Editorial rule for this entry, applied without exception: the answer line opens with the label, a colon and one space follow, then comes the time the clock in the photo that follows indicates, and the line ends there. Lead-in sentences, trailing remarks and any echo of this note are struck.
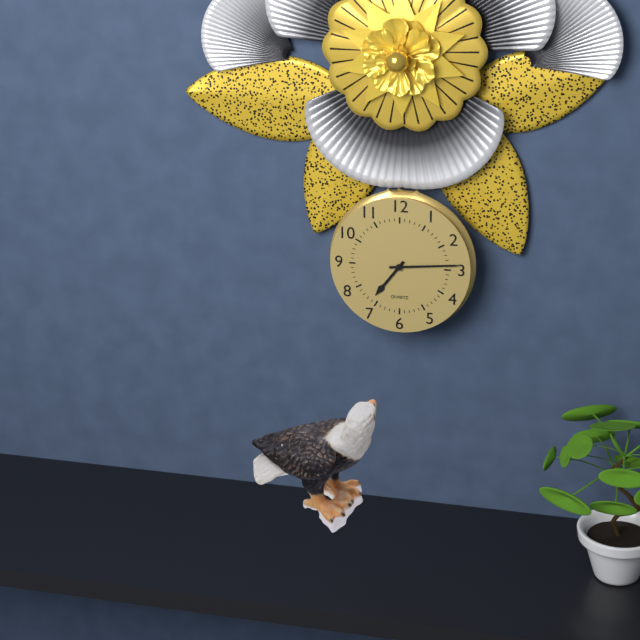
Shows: 7:14
